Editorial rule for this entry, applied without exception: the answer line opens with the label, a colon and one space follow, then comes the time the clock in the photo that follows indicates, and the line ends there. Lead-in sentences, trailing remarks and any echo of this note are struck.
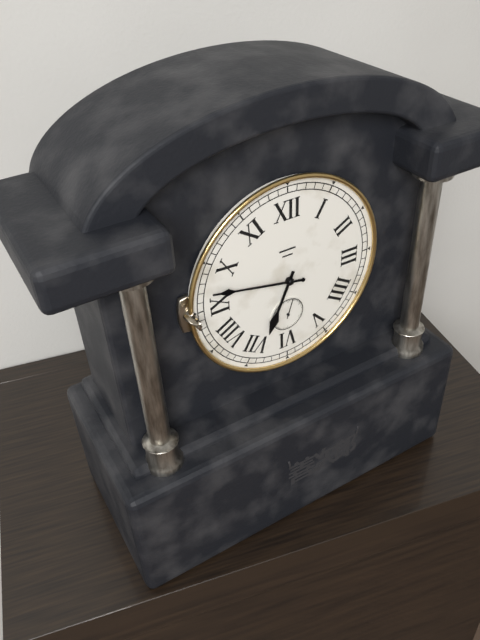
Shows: 6:47
